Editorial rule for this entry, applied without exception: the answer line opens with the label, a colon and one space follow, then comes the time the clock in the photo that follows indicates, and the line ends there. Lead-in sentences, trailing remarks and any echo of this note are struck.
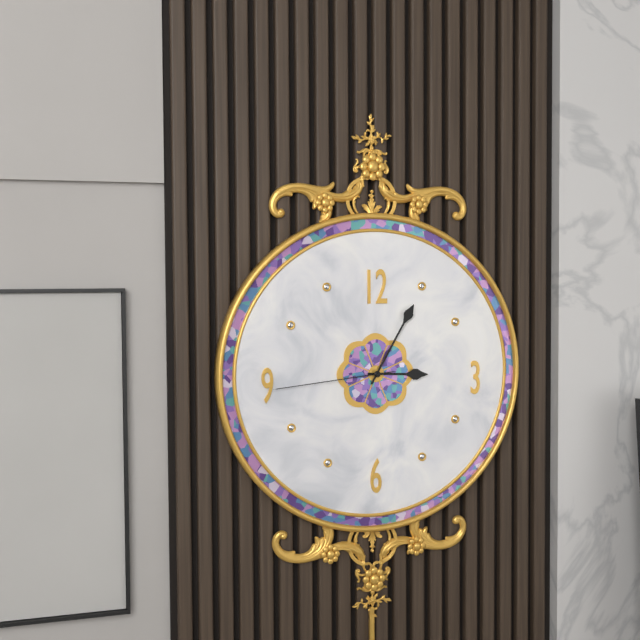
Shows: 3:05:44
